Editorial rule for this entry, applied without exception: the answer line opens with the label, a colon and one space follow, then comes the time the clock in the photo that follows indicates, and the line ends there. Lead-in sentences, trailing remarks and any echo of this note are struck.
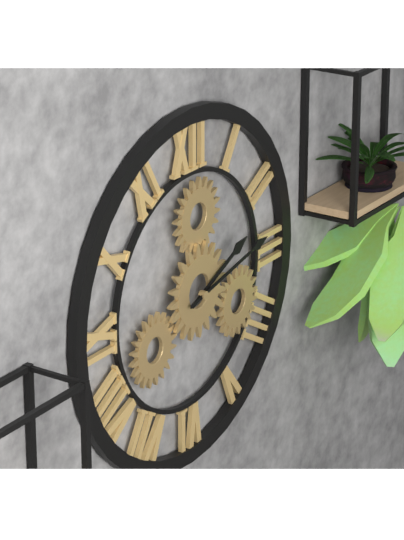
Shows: 2:13
